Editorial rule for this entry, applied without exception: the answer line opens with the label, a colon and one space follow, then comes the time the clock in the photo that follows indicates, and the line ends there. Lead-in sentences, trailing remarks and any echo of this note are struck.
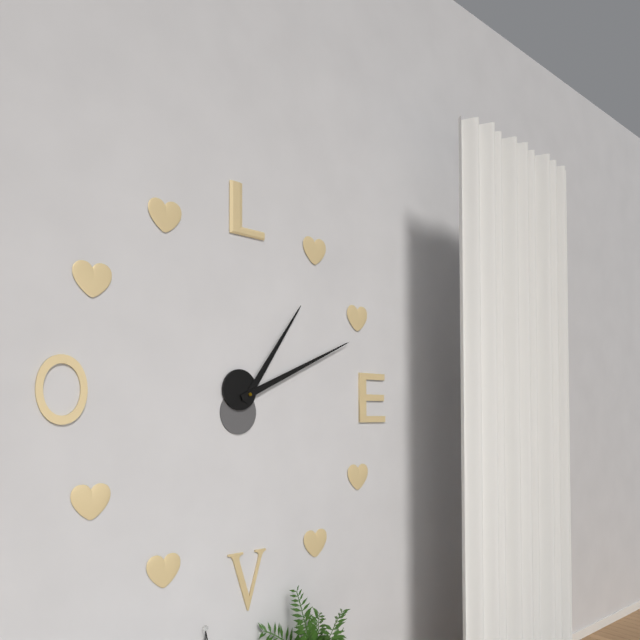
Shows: 1:11
